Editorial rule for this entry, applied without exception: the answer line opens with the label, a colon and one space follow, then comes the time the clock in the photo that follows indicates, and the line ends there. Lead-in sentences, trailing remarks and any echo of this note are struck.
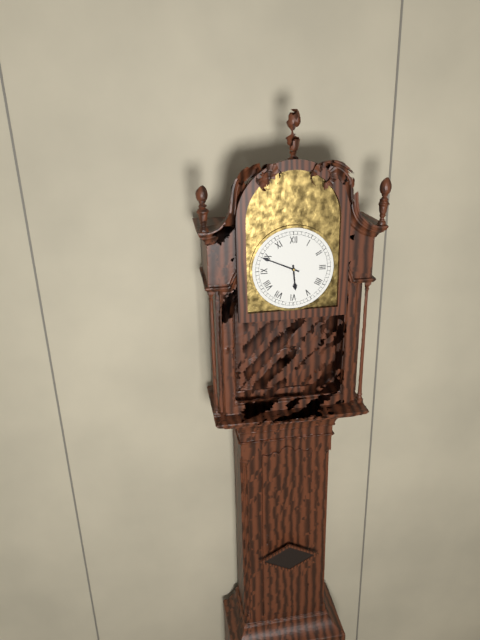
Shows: 5:49
